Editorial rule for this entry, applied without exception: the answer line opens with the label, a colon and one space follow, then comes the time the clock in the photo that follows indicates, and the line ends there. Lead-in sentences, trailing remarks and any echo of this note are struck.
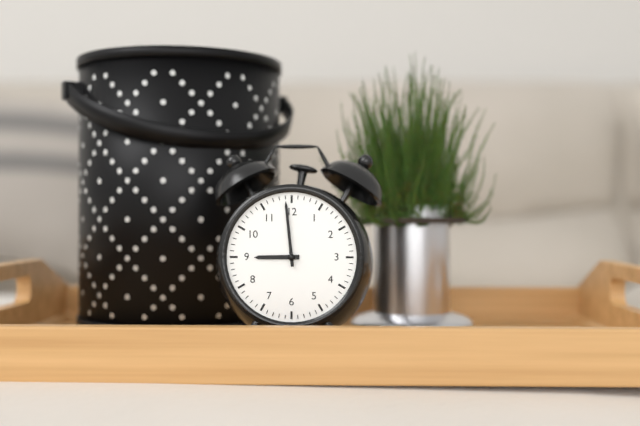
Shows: 8:59
